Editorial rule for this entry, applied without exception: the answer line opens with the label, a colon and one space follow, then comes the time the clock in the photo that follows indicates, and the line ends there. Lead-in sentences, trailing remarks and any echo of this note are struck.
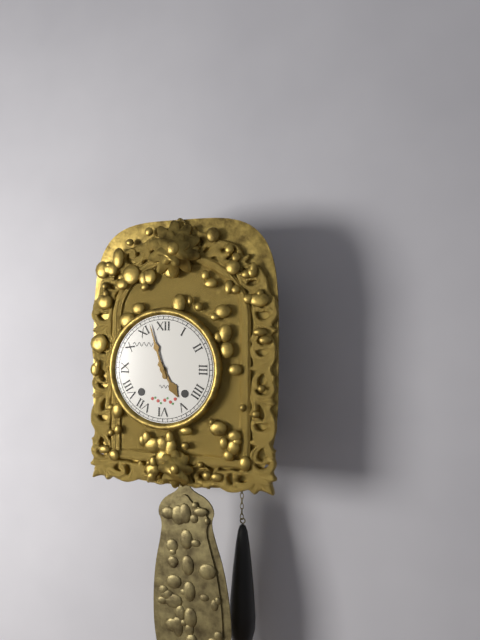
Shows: 4:57
